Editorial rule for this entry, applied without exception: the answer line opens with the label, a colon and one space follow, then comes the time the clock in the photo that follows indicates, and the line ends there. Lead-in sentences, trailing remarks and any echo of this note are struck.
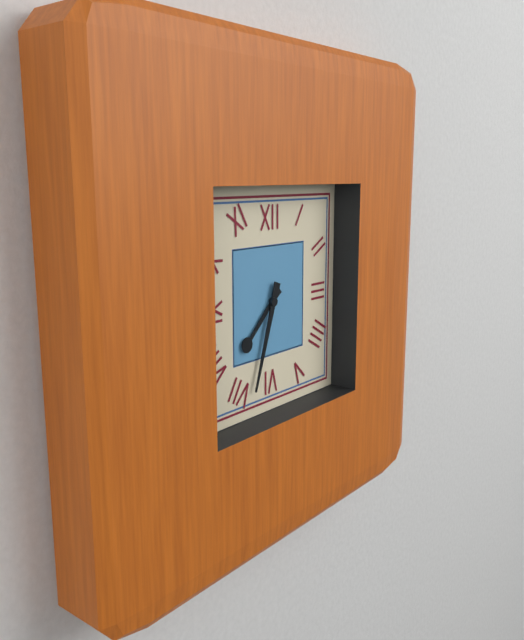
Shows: 7:33
